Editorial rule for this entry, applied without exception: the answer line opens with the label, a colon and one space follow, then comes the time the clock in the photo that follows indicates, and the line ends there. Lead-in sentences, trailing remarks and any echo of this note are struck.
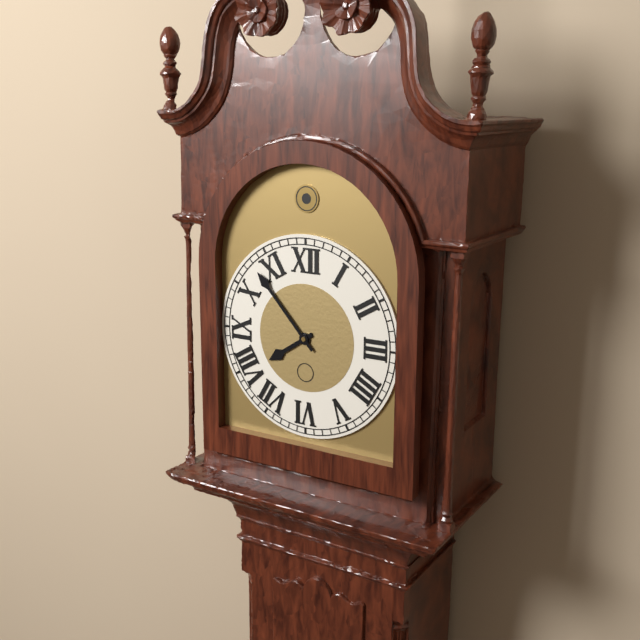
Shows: 7:53
